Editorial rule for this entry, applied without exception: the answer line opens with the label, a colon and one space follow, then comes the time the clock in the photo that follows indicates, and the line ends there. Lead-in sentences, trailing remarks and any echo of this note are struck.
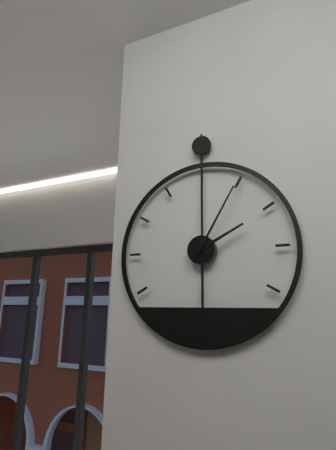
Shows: 2:05
